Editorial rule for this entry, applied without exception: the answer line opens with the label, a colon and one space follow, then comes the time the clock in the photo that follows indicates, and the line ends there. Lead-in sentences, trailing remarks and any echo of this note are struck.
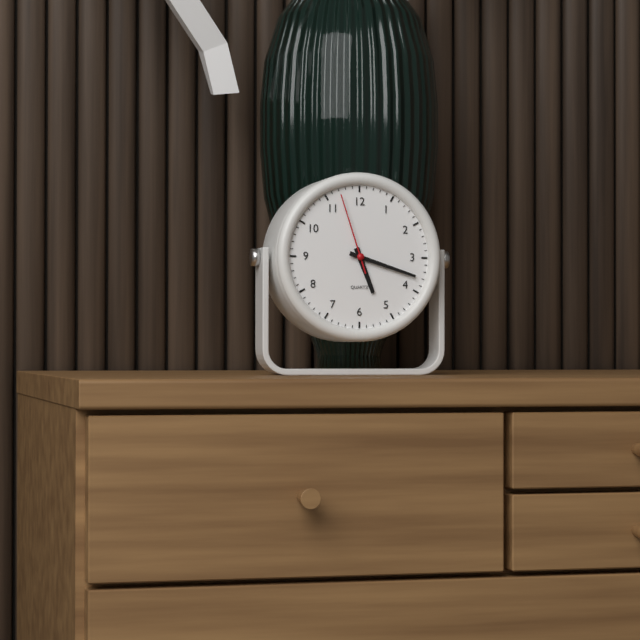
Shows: 5:18:57
